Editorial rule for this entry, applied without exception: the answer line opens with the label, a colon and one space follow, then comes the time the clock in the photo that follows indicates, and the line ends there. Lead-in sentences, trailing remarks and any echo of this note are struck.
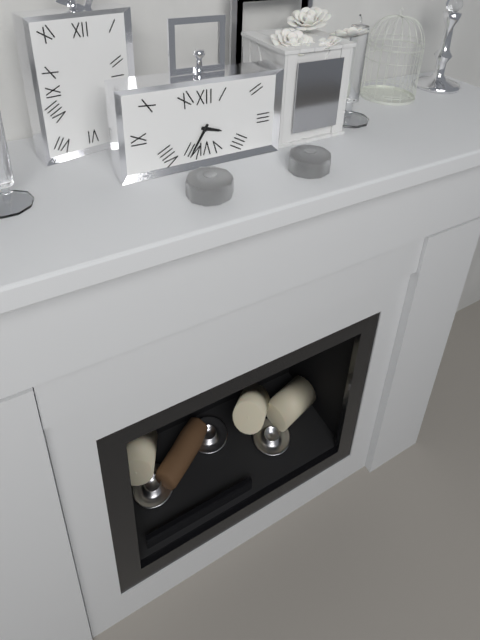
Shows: 3:35
